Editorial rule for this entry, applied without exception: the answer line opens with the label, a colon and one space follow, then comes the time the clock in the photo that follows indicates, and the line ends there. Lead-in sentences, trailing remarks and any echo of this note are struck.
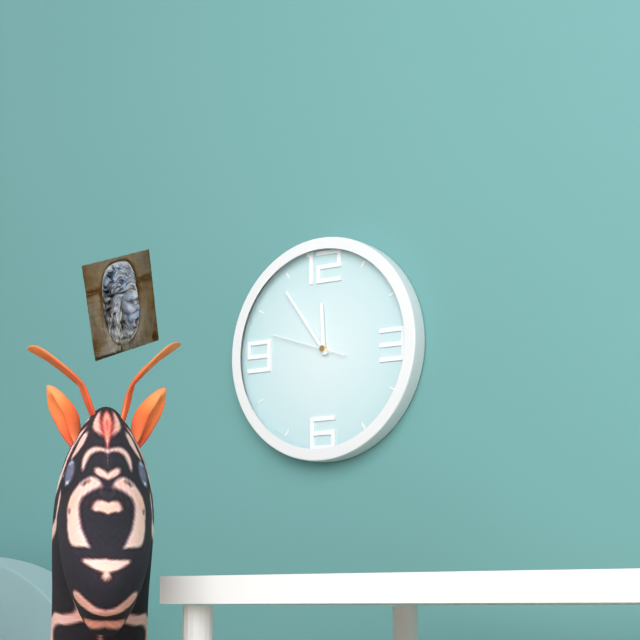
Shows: 11:54:48
